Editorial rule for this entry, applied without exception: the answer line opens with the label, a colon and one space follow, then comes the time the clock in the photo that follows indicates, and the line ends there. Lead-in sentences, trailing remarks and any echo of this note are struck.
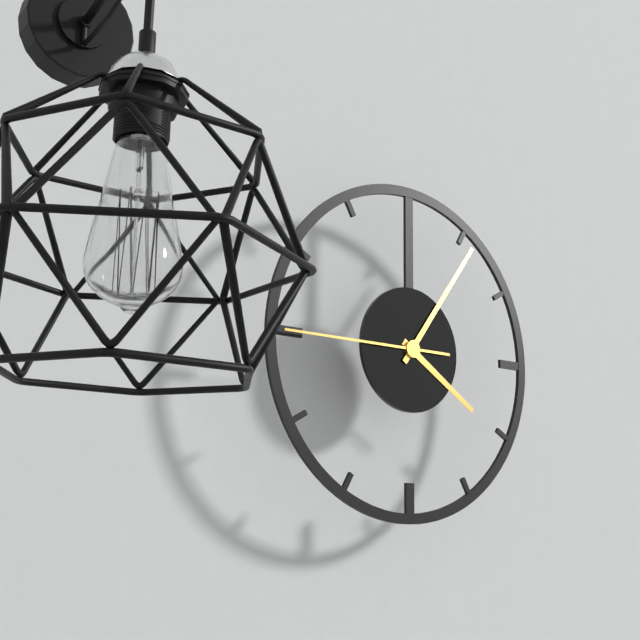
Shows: 4:06:45
